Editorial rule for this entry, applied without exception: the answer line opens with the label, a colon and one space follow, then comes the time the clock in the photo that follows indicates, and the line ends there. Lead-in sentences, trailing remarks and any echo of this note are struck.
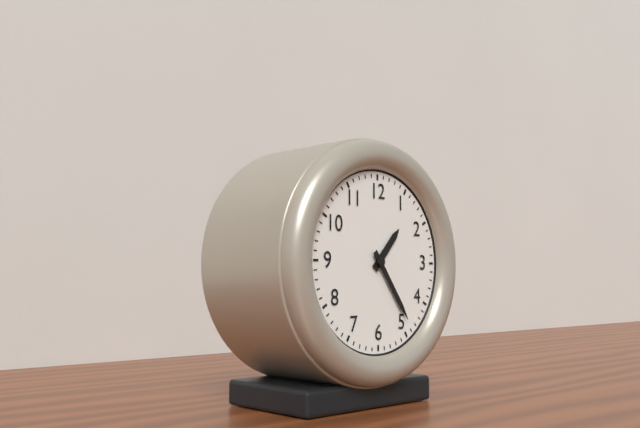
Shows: 1:24
